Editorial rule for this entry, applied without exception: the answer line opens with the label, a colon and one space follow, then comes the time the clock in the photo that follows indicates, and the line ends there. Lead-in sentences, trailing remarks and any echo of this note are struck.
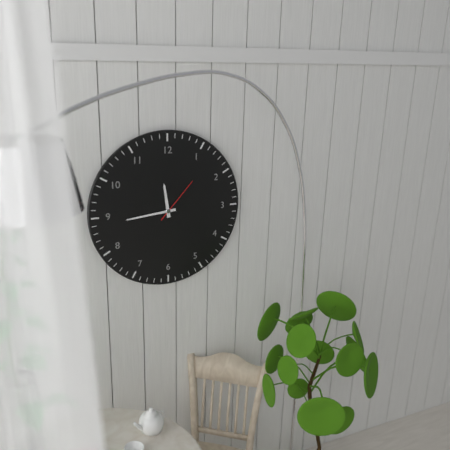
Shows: 11:44
